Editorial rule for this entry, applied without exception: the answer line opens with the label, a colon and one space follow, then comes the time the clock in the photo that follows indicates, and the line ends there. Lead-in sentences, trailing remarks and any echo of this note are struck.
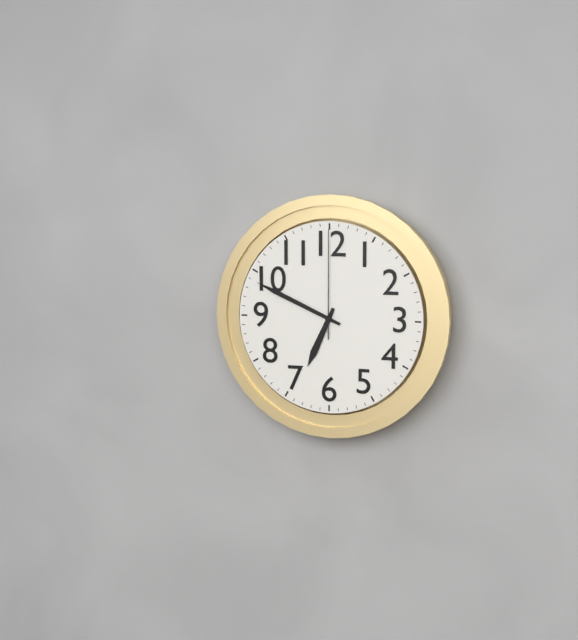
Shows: 6:49:00
